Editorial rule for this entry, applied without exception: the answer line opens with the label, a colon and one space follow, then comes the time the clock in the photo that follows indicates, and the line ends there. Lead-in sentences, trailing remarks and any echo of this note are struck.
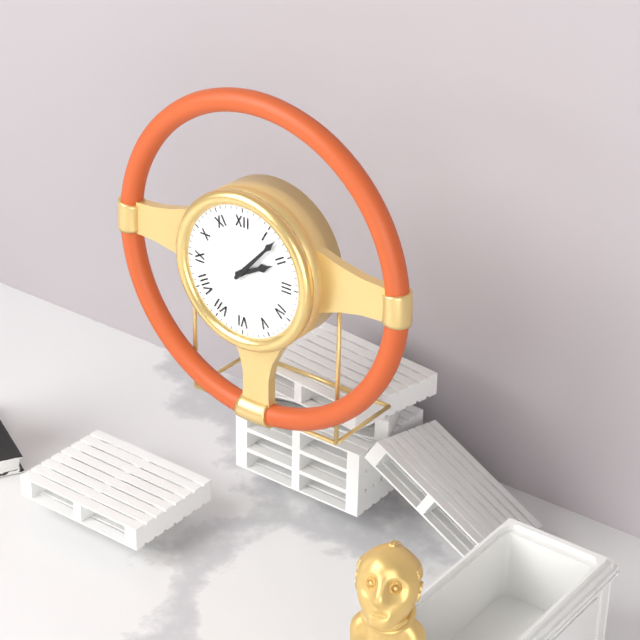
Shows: 2:07
